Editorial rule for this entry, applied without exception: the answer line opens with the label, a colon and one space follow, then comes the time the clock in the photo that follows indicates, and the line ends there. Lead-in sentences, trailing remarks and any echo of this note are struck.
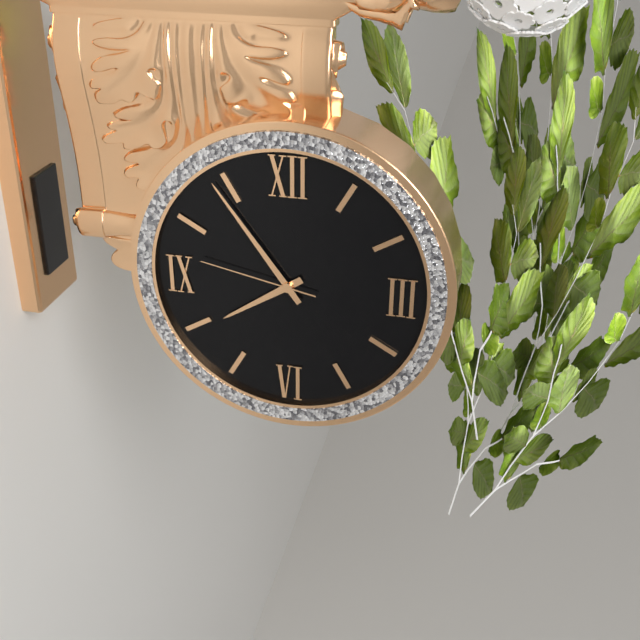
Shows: 7:54:47
